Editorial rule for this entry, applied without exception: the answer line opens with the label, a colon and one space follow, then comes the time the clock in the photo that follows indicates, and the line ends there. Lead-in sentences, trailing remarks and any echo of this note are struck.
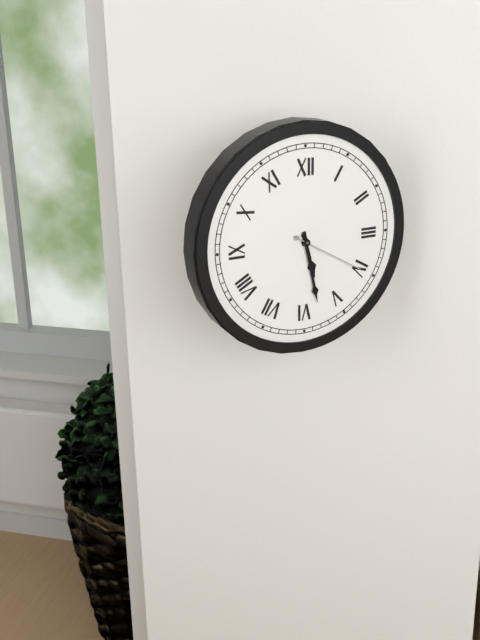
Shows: 5:28:20
